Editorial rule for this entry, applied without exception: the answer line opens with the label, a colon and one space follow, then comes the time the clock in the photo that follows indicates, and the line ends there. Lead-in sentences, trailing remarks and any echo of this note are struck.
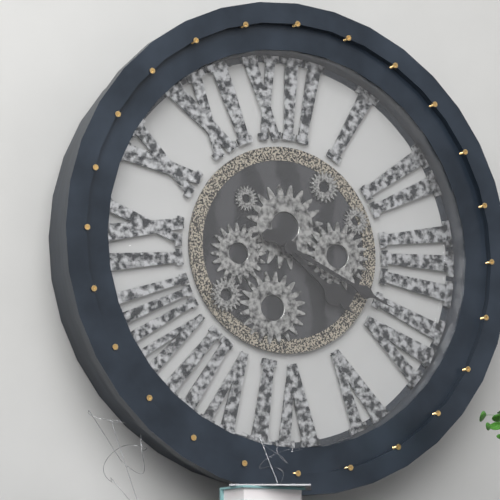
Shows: 4:19
